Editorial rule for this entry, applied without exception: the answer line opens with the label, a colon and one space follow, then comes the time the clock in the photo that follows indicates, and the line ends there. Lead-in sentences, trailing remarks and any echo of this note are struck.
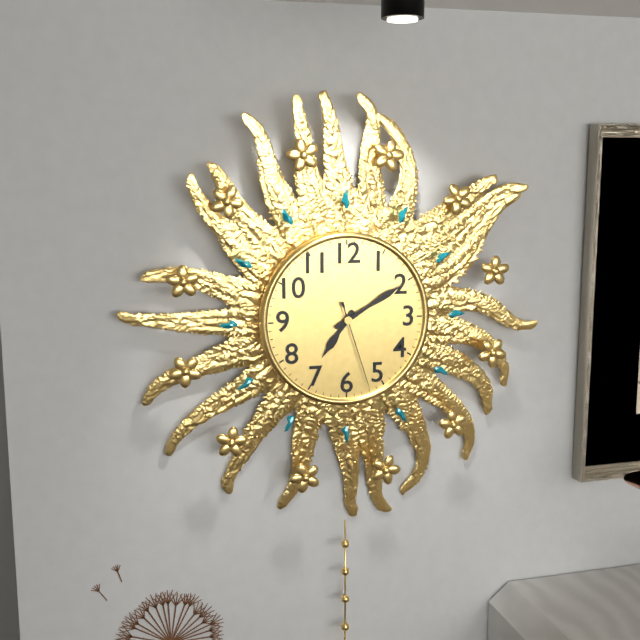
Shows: 7:10:27
